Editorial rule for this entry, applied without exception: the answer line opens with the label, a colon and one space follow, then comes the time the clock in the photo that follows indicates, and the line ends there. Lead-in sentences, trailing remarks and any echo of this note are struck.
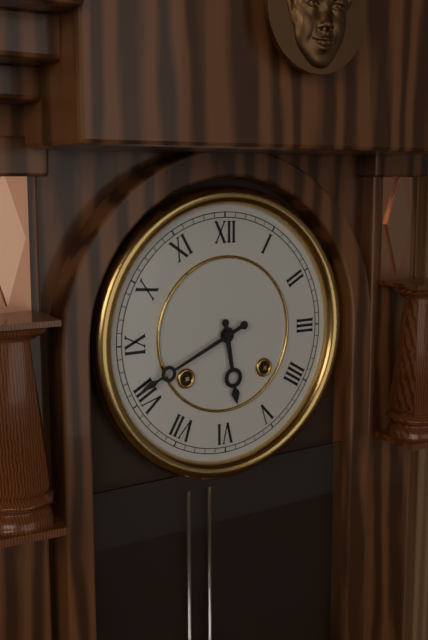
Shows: 5:41
